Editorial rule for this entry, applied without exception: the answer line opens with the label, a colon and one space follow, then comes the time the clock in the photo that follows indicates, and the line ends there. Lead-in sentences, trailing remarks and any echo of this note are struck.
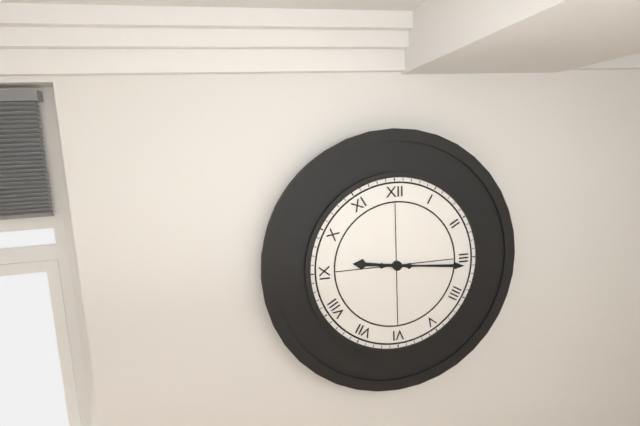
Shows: 9:16
